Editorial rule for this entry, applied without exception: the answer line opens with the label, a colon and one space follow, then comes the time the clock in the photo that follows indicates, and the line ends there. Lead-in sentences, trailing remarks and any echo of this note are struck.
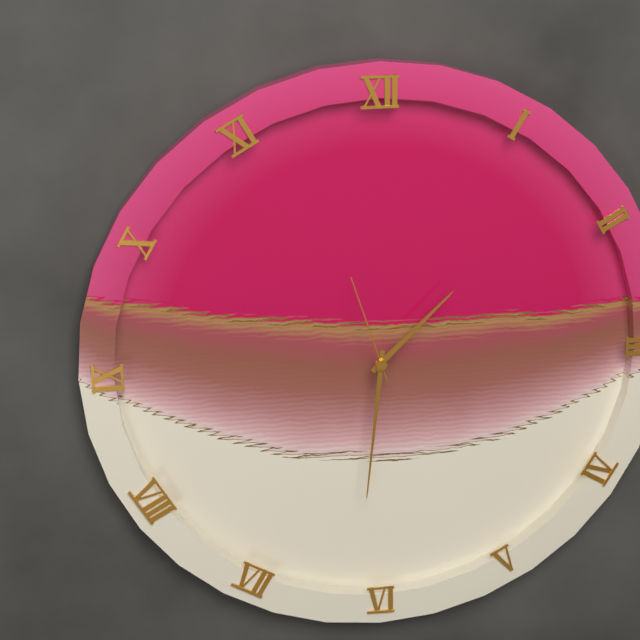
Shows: 1:31:57
